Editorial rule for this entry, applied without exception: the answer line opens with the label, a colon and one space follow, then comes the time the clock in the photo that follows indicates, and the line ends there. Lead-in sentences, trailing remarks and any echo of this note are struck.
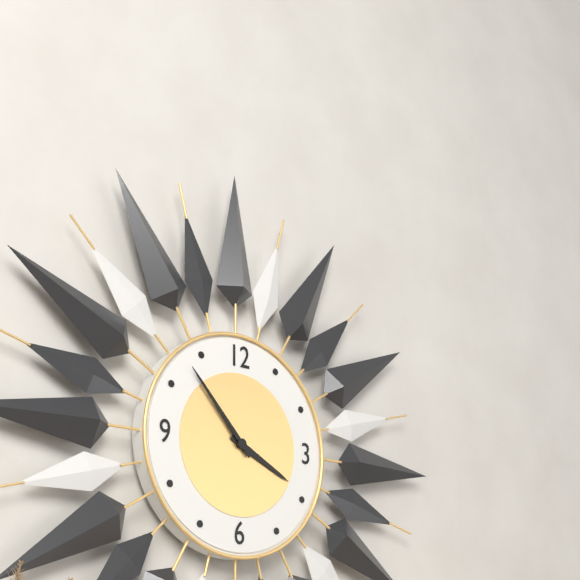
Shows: 3:53
